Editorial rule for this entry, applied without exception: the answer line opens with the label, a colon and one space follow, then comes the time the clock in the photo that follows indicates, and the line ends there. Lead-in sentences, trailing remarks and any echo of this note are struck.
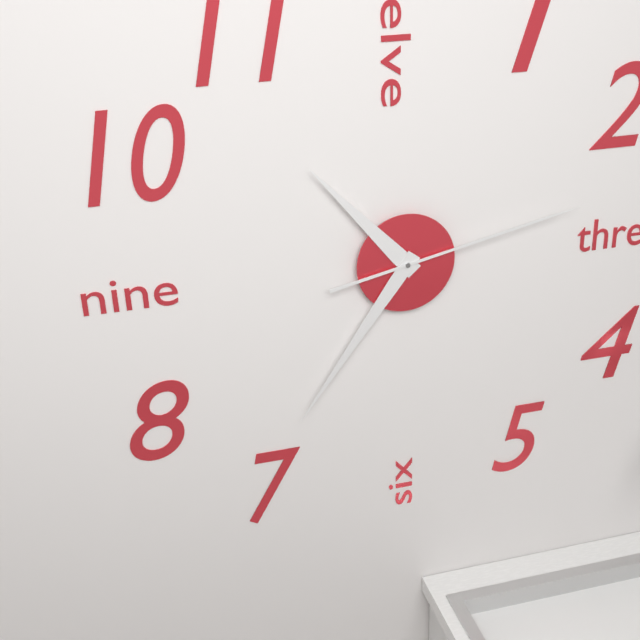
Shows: 10:36:13
